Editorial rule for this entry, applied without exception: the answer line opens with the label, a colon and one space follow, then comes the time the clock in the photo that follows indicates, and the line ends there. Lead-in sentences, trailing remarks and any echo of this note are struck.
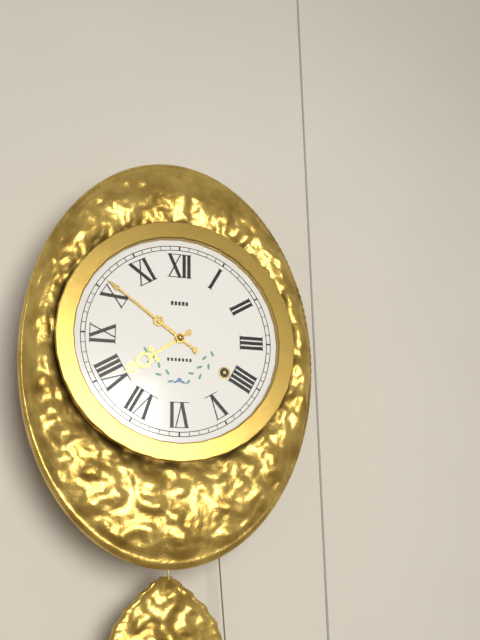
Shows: 7:51
